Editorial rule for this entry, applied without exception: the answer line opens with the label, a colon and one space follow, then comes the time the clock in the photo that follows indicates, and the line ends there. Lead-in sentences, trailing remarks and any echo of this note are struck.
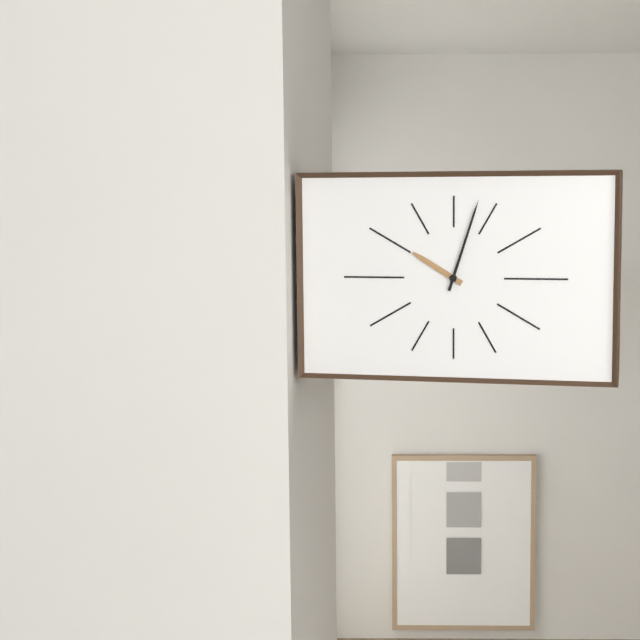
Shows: 10:03
